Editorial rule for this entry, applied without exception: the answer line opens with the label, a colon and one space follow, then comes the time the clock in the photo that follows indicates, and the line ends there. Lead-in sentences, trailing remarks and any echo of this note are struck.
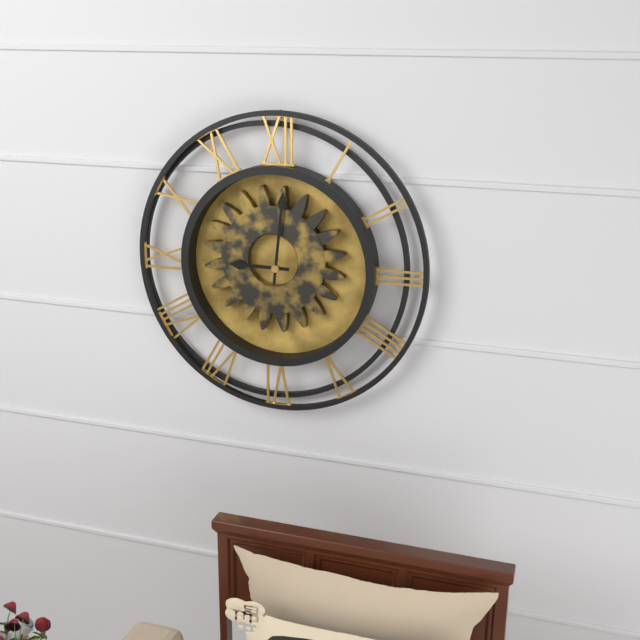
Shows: 9:01
